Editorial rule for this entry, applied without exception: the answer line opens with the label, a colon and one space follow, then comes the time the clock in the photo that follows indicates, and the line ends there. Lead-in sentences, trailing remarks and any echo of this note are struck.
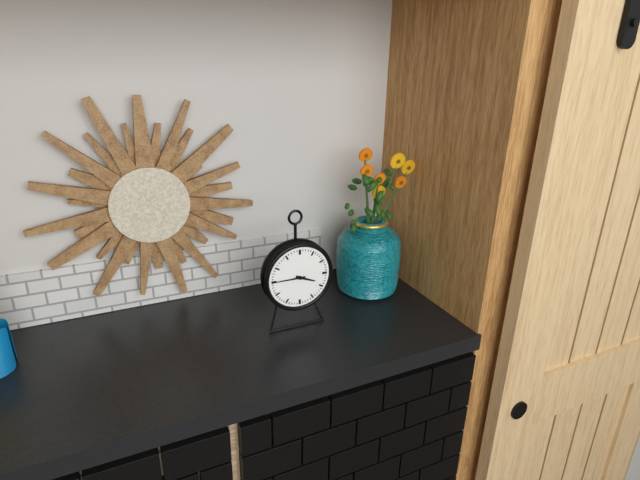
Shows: 3:45
